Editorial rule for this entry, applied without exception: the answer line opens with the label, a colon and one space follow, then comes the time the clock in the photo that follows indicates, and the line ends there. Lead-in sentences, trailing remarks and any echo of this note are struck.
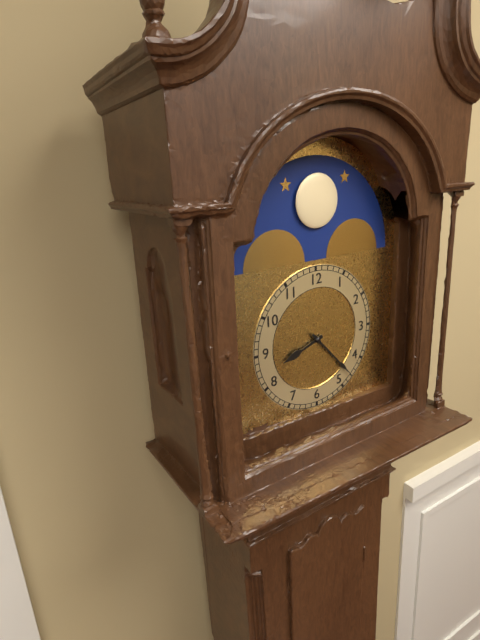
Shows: 8:23
